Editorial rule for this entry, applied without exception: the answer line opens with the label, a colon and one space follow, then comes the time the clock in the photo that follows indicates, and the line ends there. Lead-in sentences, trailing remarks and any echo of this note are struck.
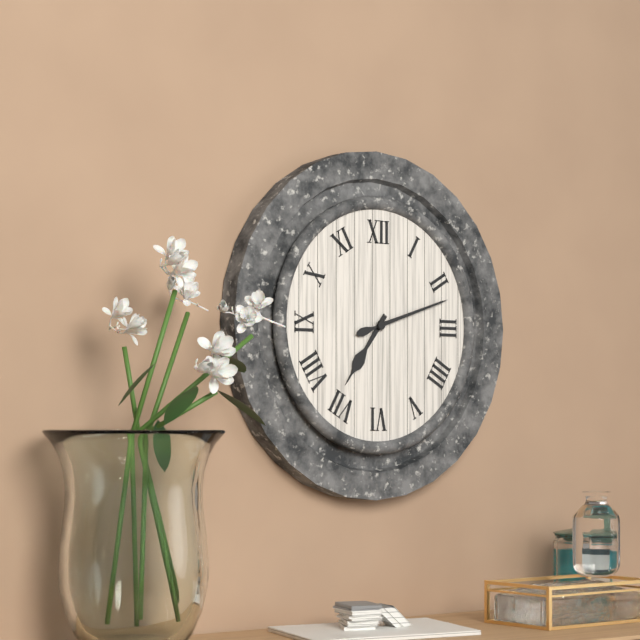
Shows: 7:12
